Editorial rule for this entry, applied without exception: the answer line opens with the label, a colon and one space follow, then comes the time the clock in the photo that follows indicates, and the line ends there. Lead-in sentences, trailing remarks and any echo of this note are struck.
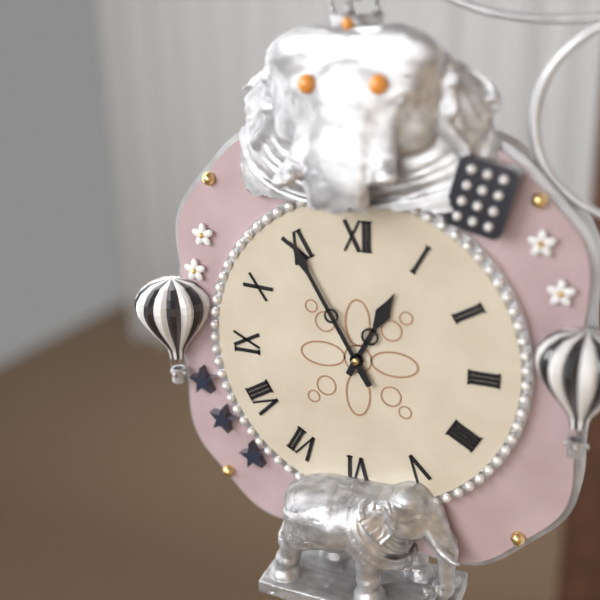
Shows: 12:55
